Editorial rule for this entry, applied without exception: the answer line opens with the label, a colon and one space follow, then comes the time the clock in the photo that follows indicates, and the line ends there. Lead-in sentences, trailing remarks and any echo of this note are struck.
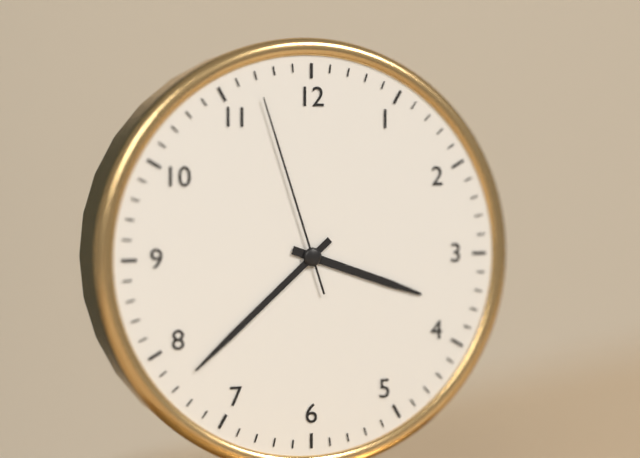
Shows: 3:38:57
